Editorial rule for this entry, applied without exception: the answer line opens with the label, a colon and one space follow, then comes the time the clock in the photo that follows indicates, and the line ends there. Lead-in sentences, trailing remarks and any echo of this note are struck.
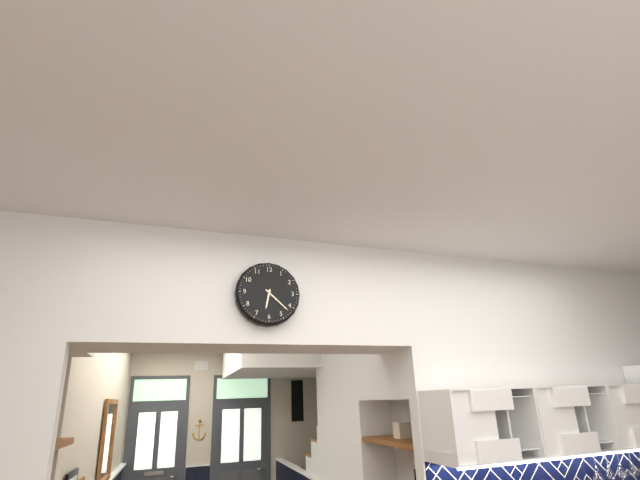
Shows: 6:22
